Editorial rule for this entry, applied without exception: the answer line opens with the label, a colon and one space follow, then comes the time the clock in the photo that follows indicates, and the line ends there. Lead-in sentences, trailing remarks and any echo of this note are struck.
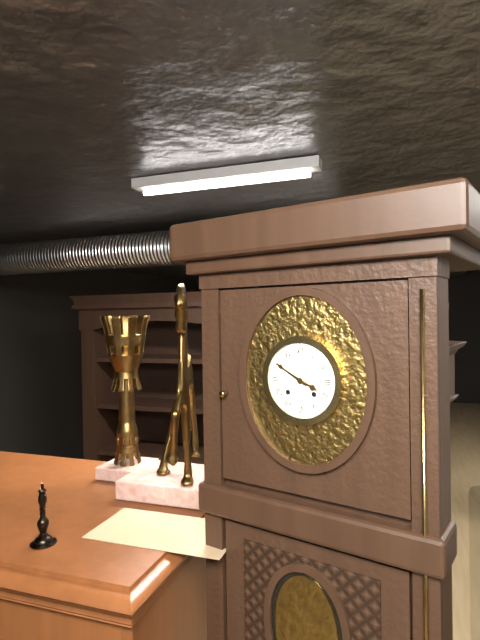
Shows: 3:50
